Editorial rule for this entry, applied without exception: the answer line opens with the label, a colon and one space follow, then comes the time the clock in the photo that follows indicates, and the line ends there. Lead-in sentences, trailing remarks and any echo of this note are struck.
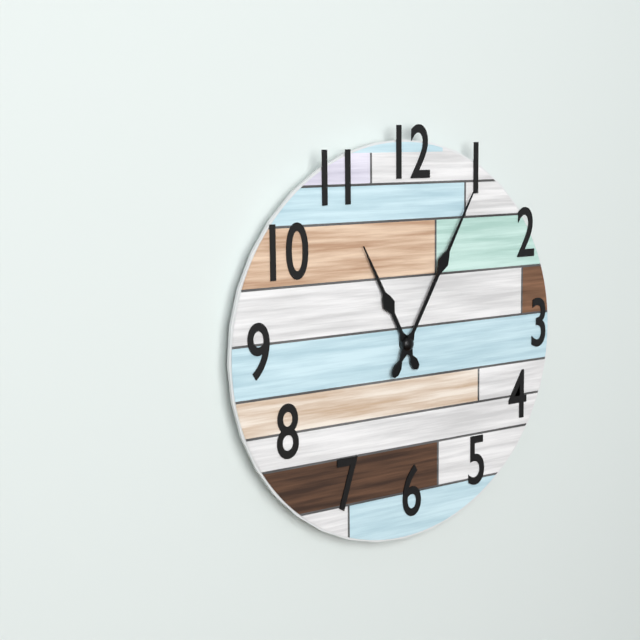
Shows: 11:05
